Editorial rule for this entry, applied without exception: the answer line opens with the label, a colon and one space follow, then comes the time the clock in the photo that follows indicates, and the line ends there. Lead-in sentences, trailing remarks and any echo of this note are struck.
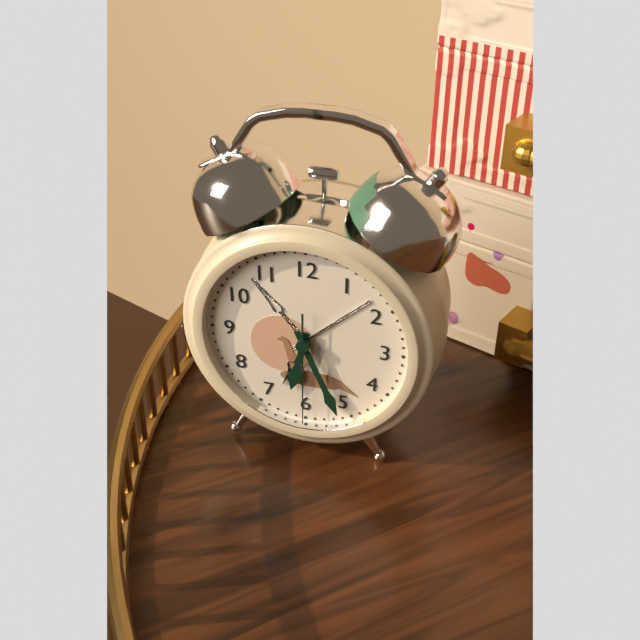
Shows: 6:26:30
